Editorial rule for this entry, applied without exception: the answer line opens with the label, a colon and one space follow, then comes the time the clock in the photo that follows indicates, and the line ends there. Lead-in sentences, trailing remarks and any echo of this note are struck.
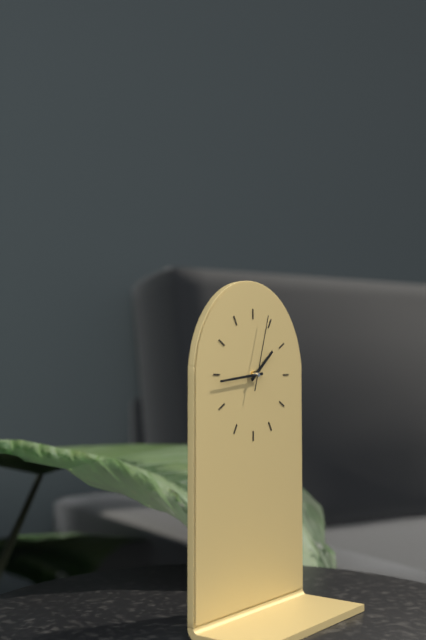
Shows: 1:44:03
